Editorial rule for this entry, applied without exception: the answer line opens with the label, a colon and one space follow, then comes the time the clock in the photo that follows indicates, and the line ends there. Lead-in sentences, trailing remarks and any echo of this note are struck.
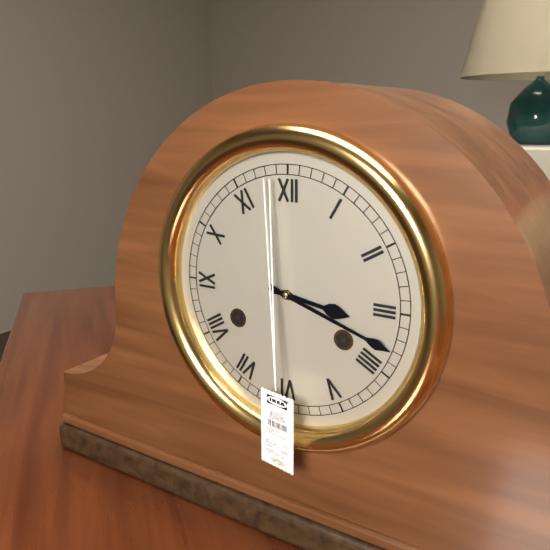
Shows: 3:18
